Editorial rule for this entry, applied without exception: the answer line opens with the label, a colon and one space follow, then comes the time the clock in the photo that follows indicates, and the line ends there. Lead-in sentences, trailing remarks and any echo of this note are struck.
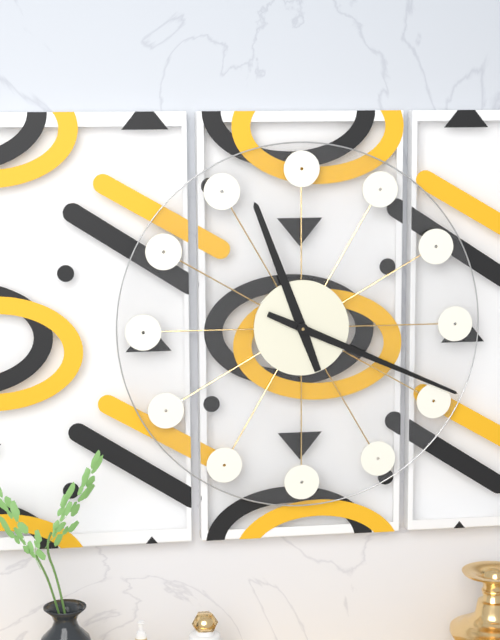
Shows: 11:19
